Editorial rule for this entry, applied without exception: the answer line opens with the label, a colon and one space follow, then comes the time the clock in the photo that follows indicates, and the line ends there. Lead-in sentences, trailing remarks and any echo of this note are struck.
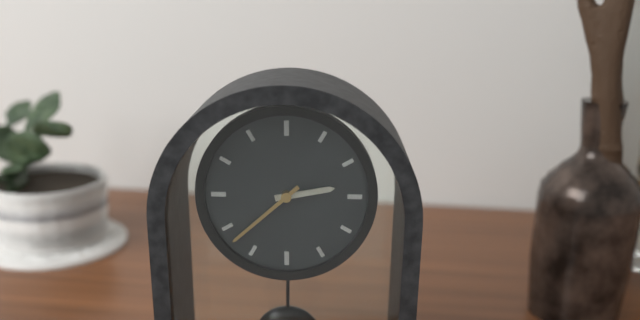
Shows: 2:38
